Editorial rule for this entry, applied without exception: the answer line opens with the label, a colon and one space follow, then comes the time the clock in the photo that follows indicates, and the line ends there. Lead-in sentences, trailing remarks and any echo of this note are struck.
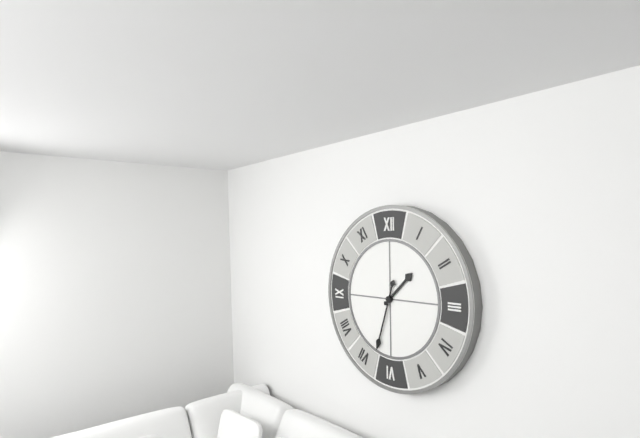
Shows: 1:33
